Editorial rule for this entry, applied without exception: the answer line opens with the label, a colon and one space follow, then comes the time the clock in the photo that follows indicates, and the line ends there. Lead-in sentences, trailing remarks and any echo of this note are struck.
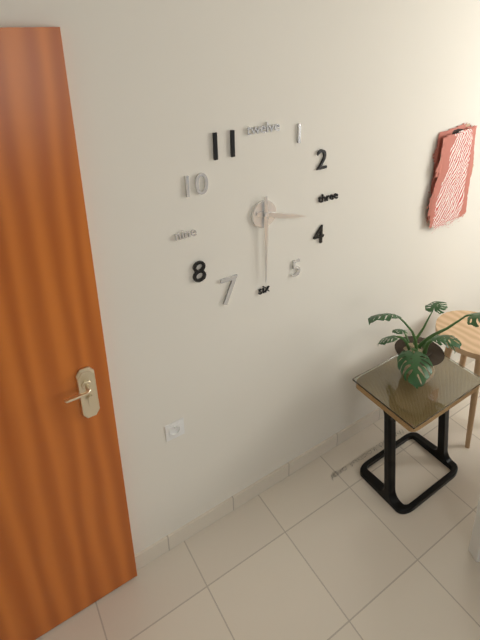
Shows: 3:30
